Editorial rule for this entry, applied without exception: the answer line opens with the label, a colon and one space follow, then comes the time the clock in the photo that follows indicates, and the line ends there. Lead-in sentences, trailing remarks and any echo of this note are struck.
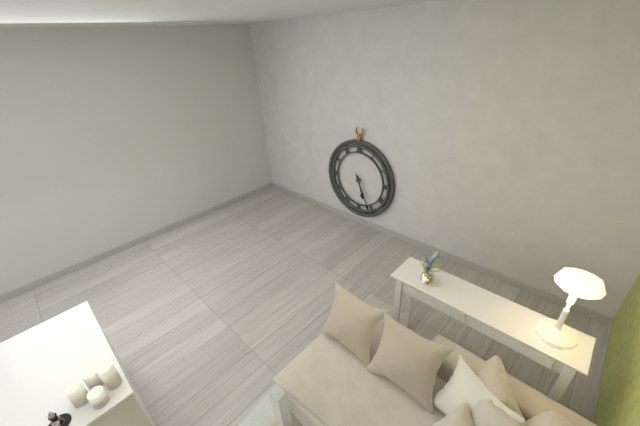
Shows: 5:26
